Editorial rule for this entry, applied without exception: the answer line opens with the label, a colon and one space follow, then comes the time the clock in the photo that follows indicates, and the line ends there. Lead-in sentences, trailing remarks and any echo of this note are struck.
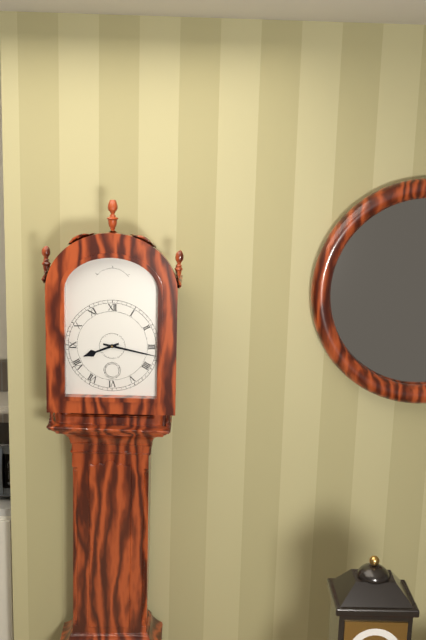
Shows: 8:17
